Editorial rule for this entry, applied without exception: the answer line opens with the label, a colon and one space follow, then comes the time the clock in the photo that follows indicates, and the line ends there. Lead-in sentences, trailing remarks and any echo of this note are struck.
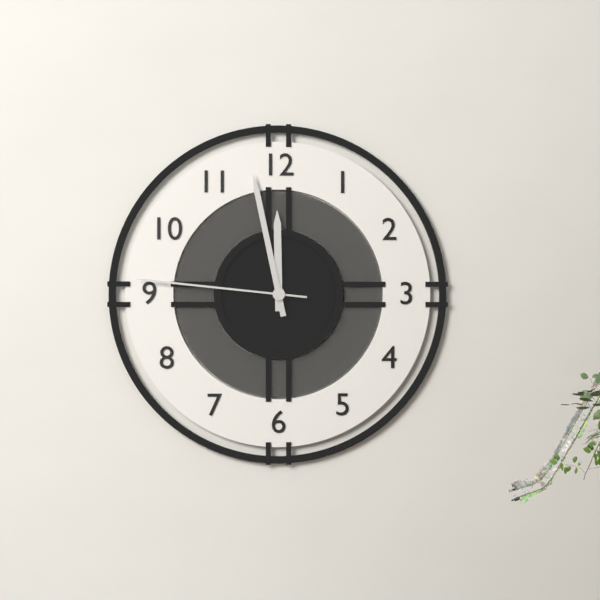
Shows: 11:58:46
